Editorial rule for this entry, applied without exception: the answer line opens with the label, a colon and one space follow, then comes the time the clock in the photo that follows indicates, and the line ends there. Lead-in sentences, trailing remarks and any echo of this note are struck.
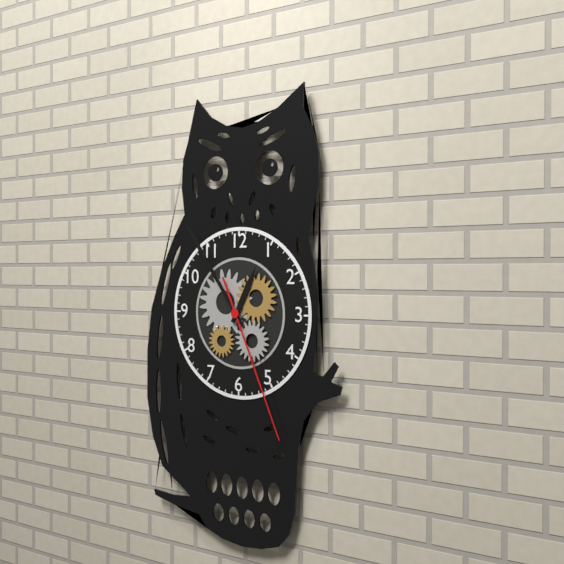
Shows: 12:54:26
